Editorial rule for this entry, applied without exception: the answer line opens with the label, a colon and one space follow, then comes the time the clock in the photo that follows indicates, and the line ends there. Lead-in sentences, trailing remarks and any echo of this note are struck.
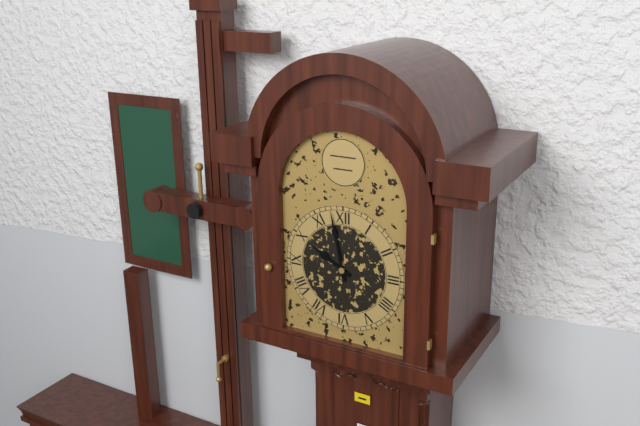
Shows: 9:58
